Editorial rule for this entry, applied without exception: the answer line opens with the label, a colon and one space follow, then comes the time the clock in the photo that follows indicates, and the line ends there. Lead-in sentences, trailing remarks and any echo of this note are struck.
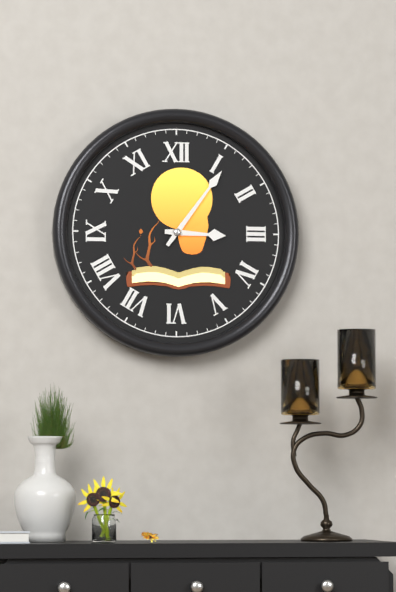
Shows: 3:06
